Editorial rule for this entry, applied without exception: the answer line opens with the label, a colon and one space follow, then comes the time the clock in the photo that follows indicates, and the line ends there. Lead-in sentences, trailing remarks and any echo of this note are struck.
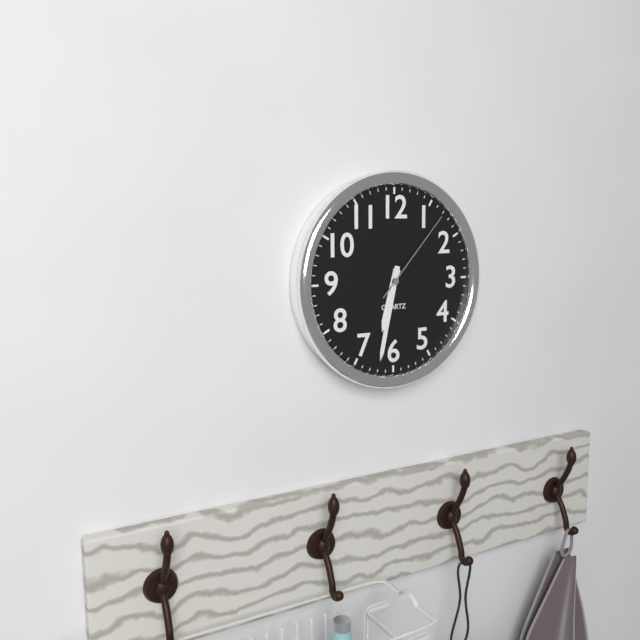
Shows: 6:32:07
